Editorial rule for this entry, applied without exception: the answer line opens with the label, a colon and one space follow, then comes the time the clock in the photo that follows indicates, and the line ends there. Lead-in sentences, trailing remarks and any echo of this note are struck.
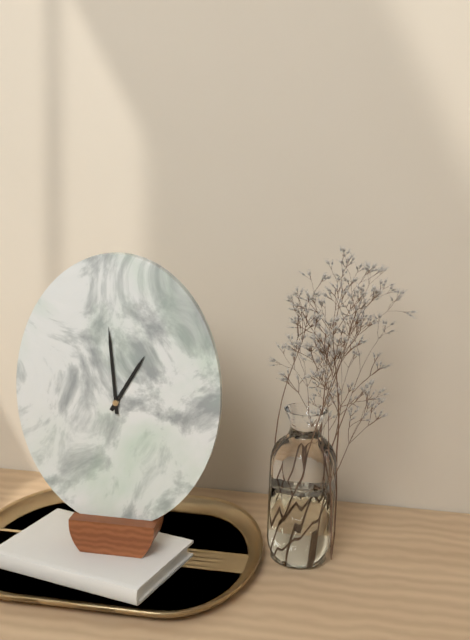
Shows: 12:59
